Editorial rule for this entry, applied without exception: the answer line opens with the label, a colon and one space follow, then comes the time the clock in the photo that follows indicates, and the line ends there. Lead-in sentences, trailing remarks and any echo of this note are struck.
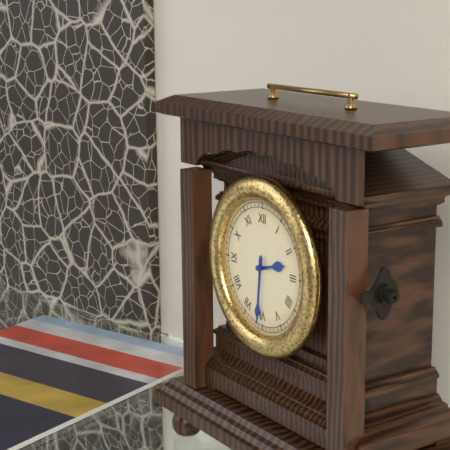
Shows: 2:31
